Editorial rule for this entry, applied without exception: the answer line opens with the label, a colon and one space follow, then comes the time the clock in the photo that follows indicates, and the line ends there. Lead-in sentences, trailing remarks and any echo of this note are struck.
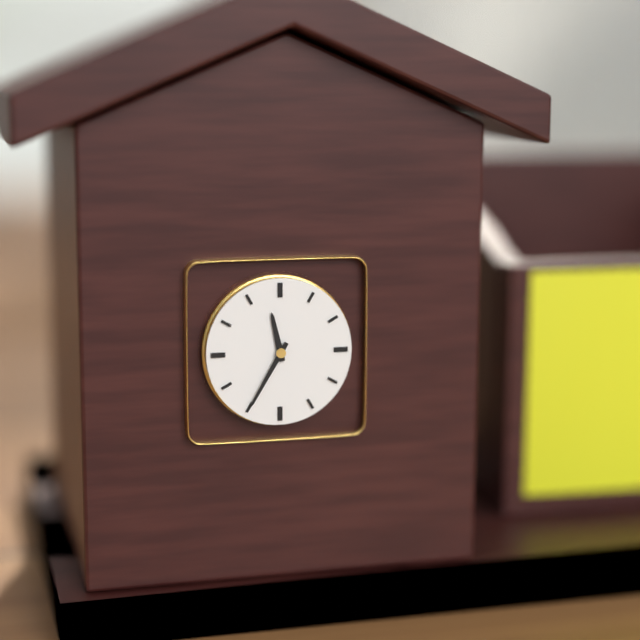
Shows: 11:35
